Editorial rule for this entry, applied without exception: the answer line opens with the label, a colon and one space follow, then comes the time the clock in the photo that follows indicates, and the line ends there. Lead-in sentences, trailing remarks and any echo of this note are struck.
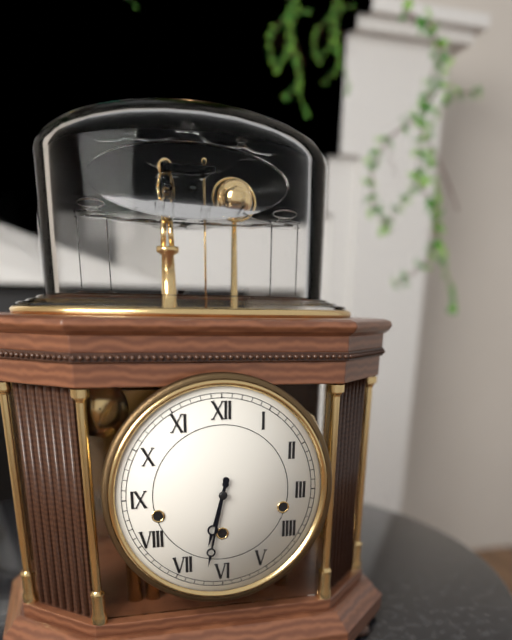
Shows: 6:32
